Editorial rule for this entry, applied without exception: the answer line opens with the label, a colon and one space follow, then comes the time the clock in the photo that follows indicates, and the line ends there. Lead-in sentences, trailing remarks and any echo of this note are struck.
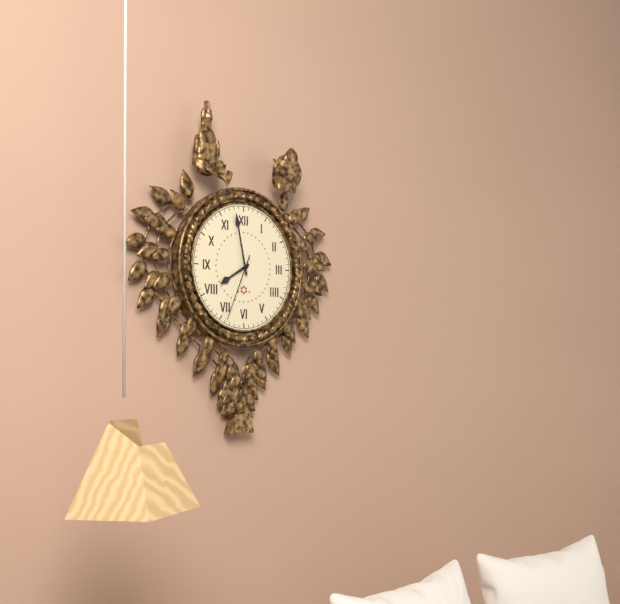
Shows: 7:58:34
